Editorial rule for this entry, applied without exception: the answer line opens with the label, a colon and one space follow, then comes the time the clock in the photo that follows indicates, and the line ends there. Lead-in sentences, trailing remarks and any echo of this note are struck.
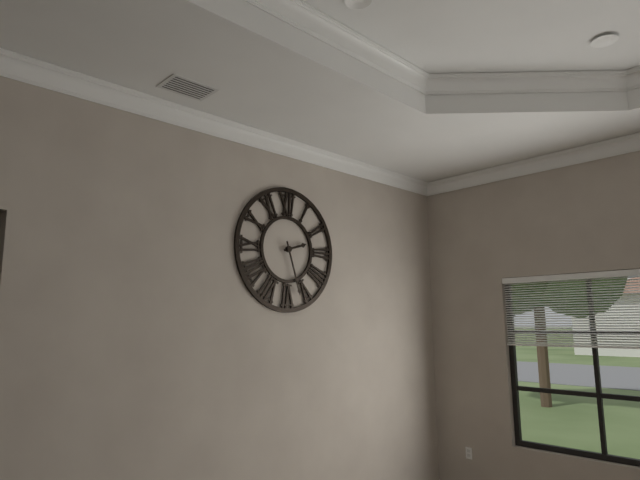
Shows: 2:27
